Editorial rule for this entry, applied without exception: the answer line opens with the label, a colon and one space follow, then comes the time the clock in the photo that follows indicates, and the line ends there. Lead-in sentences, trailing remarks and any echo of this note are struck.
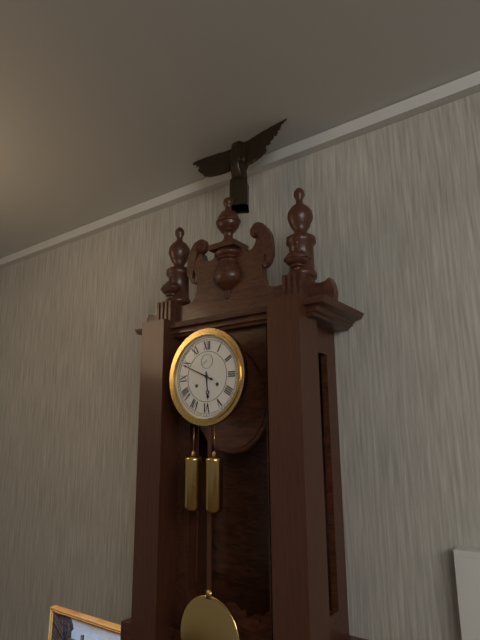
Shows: 5:49
